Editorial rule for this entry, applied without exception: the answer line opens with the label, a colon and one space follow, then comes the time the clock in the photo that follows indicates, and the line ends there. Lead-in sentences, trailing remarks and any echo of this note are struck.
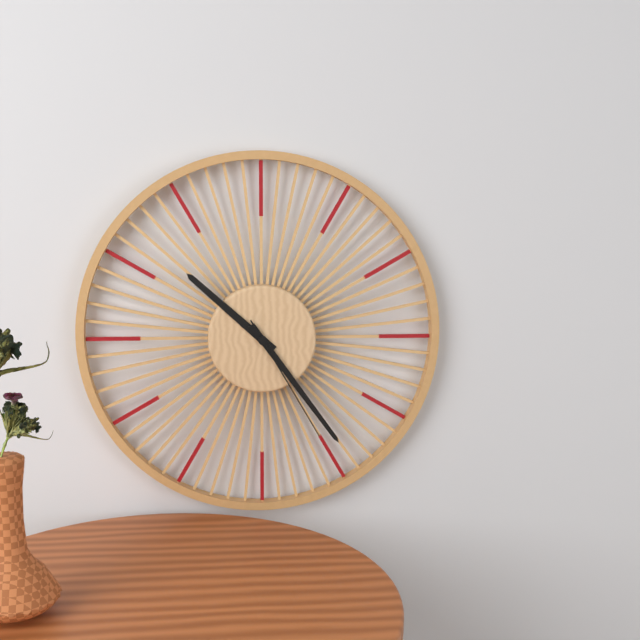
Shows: 10:24:25
